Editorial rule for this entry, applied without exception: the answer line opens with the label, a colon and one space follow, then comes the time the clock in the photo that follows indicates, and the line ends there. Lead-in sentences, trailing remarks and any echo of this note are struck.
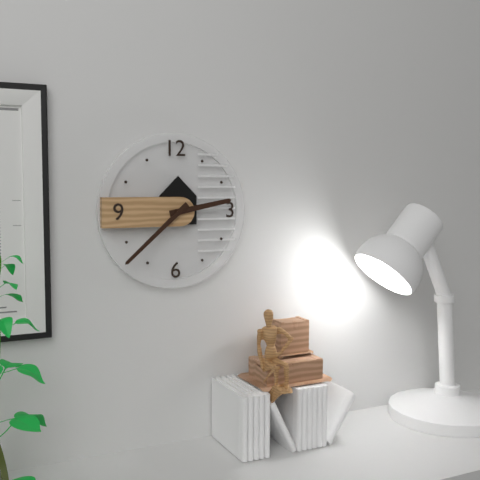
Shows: 2:38
